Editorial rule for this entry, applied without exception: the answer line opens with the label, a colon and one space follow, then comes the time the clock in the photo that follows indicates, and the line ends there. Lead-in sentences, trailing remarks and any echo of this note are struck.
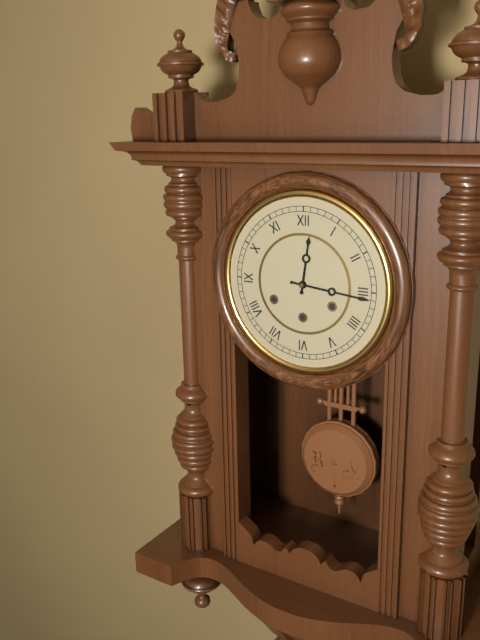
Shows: 12:16
